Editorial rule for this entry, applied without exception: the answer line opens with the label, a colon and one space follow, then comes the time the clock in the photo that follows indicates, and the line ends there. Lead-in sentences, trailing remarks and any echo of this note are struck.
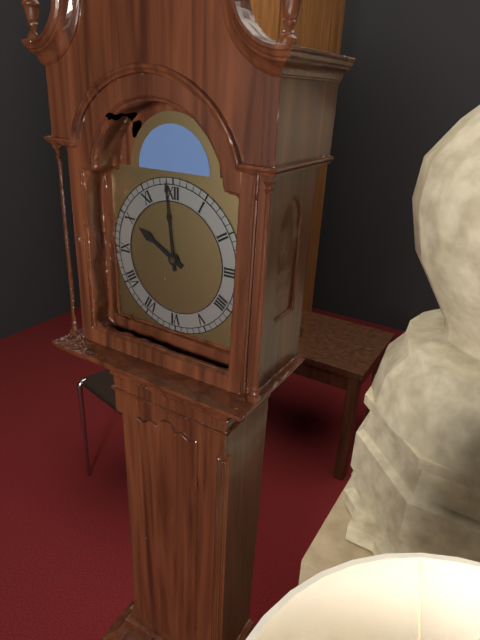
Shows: 9:59
